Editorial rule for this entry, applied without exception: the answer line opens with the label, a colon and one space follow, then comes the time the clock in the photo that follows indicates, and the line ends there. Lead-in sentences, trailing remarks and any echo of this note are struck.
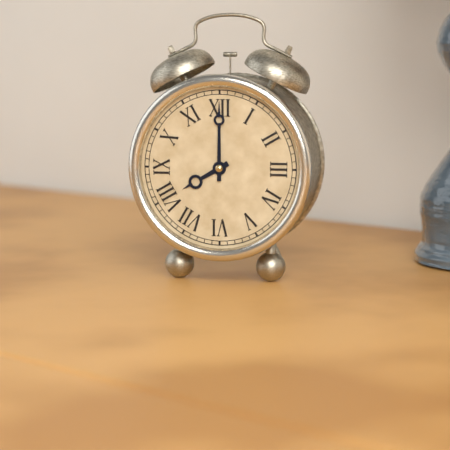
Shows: 8:00
